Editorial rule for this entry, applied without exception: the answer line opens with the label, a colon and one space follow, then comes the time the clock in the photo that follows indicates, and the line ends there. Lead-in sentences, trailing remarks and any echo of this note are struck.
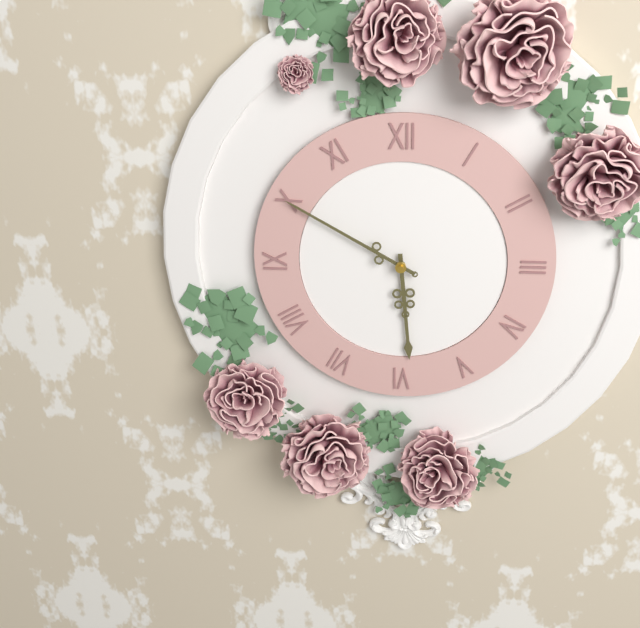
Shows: 5:50
